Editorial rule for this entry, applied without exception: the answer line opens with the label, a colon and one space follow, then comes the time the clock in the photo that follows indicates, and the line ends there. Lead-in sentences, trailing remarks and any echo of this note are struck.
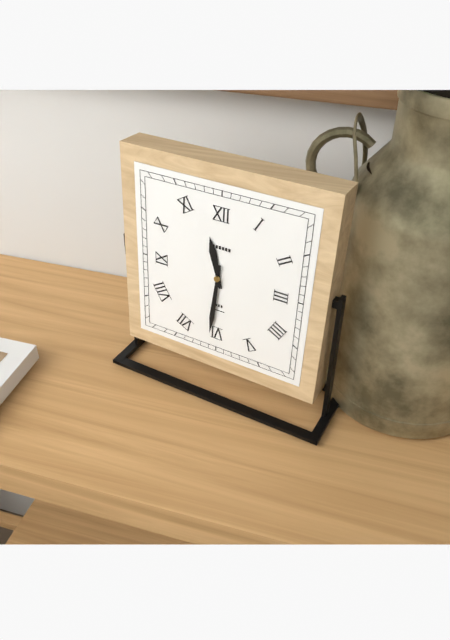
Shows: 11:31
